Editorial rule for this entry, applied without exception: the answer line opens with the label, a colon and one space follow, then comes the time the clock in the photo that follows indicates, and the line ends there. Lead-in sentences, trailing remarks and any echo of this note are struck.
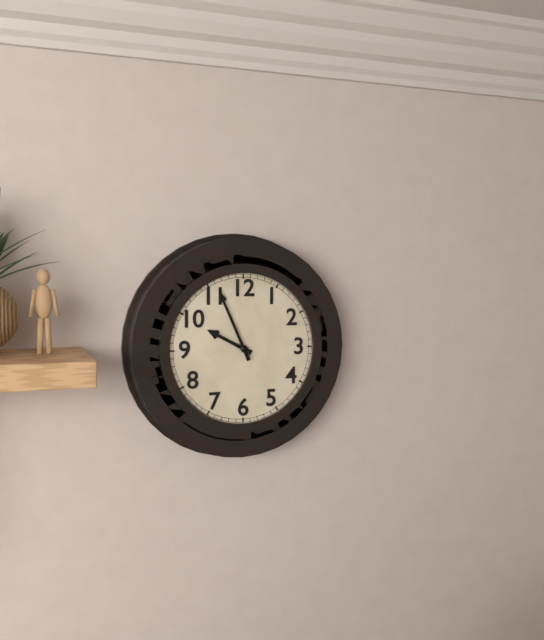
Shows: 9:56
